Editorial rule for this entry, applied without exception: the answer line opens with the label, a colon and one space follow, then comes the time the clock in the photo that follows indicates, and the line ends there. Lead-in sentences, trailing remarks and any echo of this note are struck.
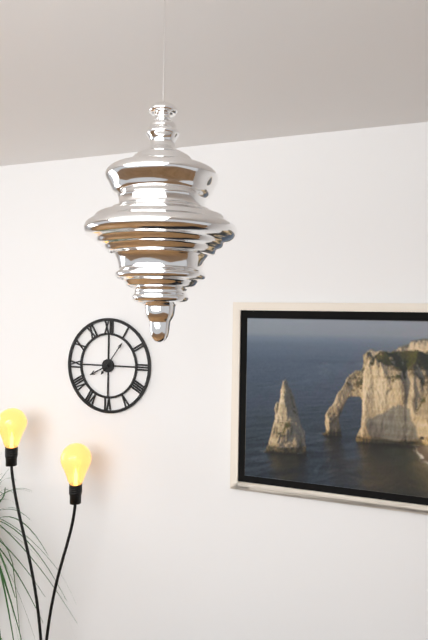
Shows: 8:06
